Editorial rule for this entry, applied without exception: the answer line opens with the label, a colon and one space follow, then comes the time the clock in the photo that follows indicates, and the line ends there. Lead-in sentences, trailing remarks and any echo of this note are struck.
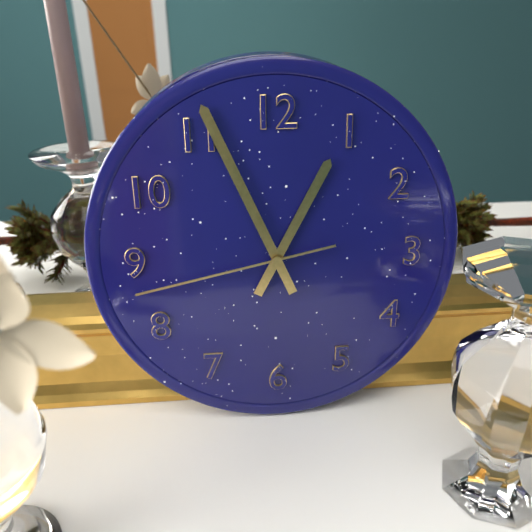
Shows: 12:56:43
